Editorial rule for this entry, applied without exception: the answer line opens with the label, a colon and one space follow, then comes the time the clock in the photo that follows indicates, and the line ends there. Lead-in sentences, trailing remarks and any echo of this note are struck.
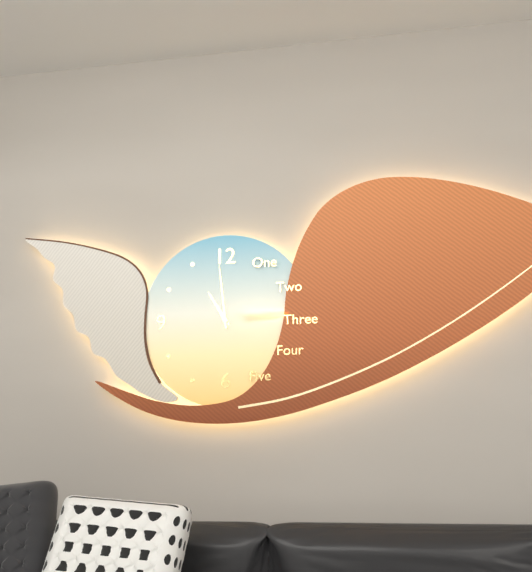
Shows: 10:59
